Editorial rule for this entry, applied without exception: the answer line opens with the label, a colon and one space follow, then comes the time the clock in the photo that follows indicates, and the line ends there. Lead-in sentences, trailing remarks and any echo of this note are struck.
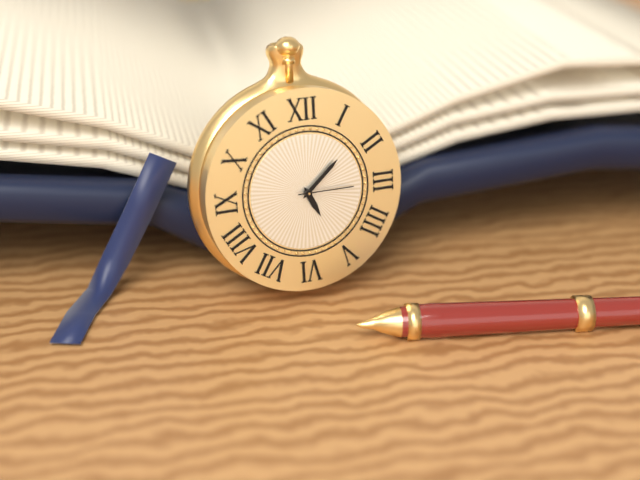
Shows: 5:08:15
